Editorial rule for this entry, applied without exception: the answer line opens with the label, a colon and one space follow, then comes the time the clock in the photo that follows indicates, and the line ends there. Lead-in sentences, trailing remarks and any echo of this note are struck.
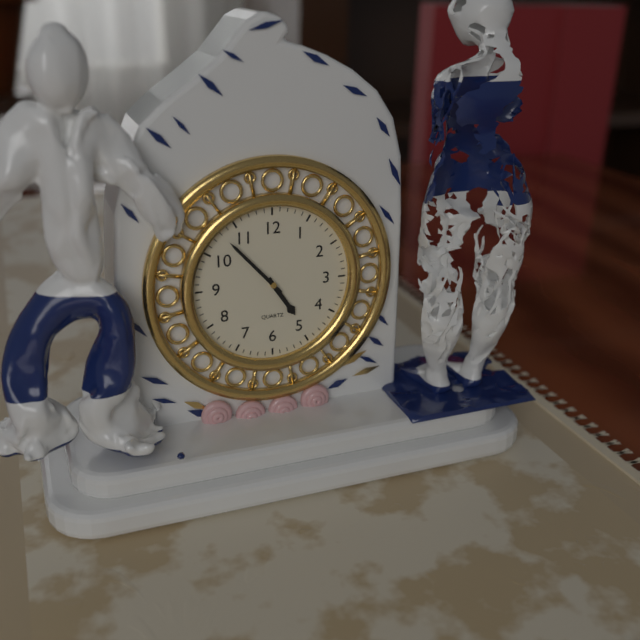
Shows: 4:53
